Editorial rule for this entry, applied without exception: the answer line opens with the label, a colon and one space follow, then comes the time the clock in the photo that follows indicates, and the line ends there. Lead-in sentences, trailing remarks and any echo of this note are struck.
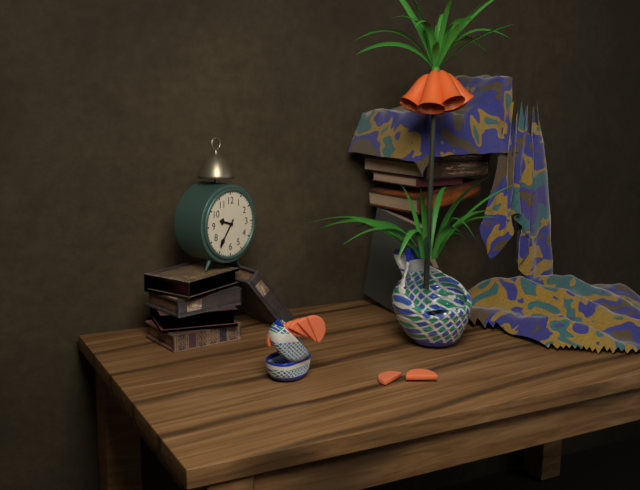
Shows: 9:36
